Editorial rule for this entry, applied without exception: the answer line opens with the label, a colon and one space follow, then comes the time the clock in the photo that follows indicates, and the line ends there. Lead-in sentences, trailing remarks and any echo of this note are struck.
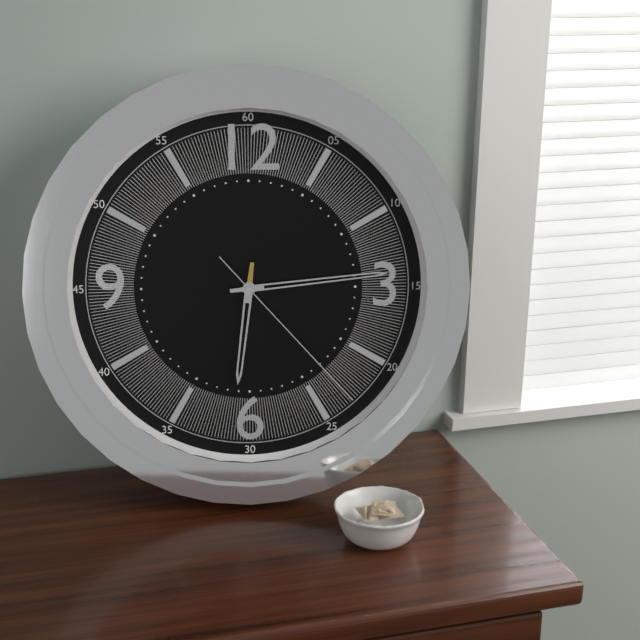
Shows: 6:14:23
